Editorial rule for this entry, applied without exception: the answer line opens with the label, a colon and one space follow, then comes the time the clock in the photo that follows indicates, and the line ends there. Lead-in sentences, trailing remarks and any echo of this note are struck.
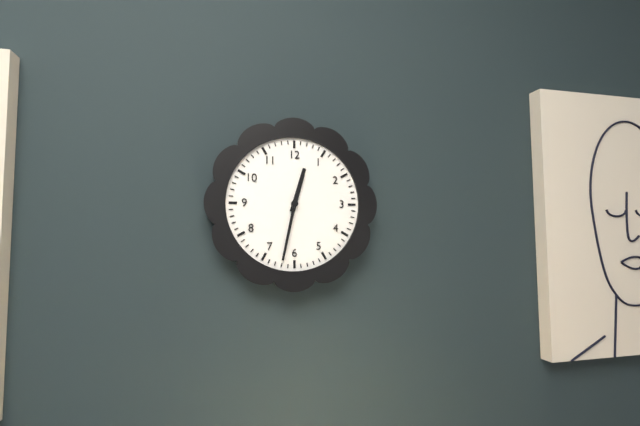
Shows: 12:32
